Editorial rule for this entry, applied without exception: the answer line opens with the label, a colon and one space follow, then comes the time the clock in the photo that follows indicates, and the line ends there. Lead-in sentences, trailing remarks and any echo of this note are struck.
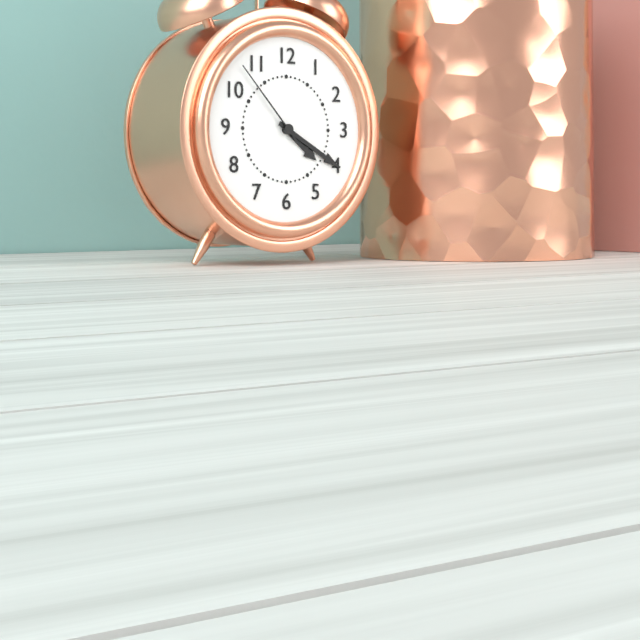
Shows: 4:20:53
